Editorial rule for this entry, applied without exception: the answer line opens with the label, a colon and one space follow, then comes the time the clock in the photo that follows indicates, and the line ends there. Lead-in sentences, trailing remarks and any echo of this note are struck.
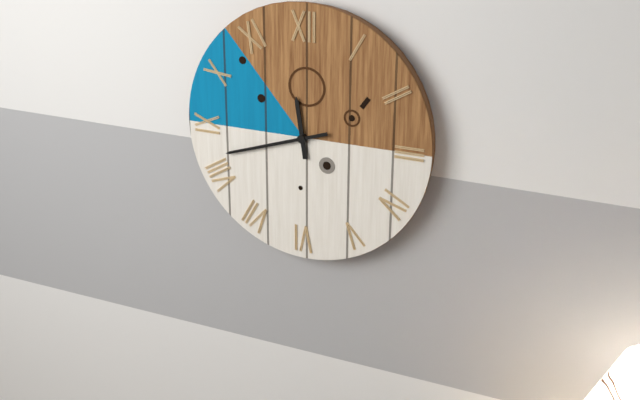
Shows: 11:42
